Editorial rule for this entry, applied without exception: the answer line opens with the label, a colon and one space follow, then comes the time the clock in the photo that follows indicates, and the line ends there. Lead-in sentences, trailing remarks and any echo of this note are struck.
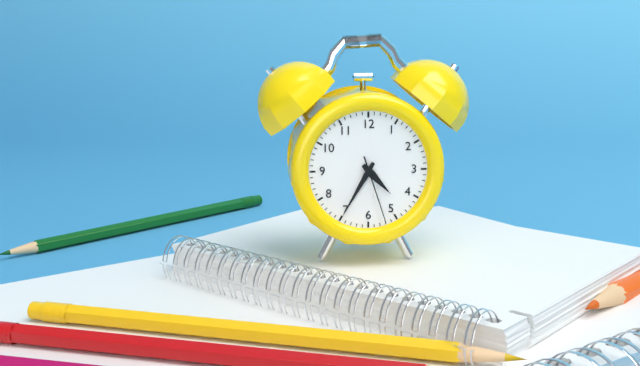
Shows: 4:35:27
